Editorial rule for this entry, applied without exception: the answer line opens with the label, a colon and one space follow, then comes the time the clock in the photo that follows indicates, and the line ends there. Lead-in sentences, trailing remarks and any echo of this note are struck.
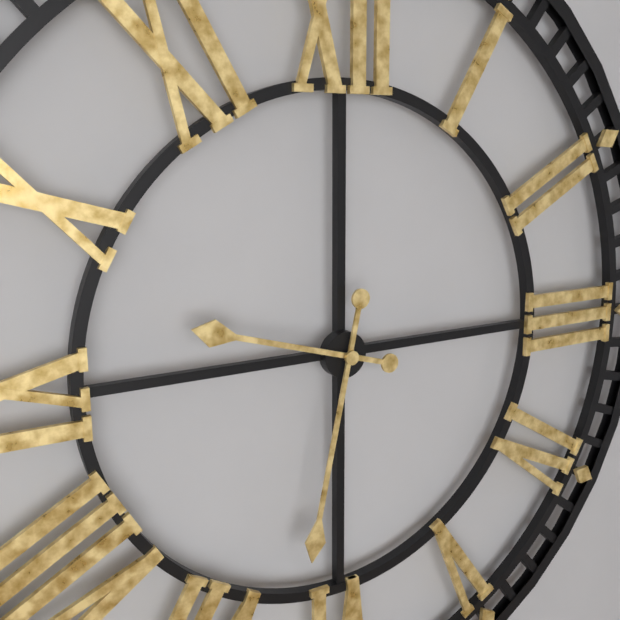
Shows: 9:32
